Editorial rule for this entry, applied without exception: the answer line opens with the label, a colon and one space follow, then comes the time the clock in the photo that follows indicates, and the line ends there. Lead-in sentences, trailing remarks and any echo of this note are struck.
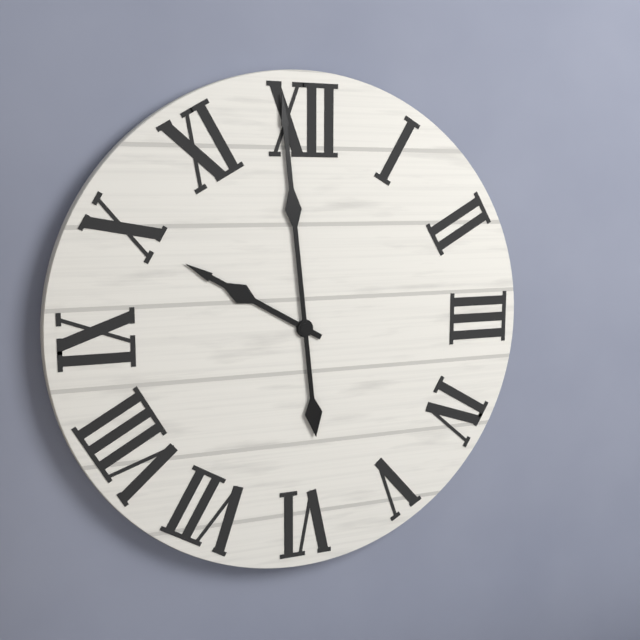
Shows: 9:59
